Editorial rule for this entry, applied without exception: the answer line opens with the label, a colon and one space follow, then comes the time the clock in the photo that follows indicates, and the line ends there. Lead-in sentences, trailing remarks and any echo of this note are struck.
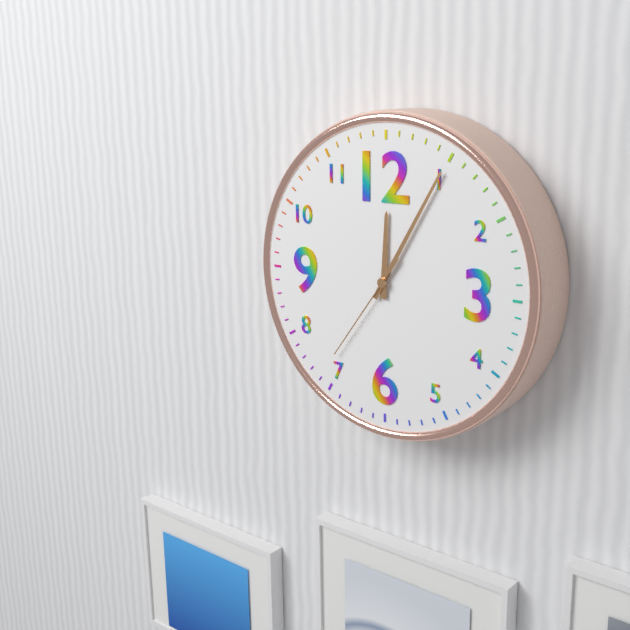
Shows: 12:05:36
